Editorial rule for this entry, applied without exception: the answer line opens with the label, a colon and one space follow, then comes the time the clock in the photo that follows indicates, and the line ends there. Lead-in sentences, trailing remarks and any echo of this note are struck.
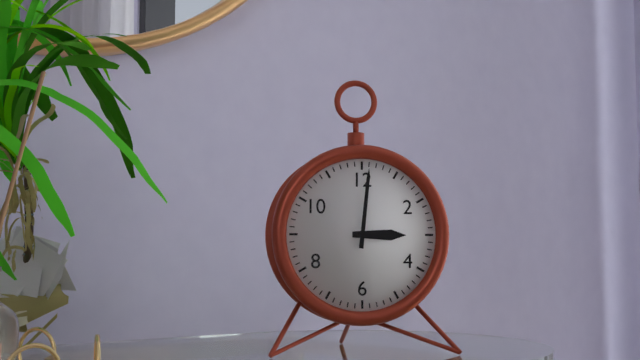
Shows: 3:01
